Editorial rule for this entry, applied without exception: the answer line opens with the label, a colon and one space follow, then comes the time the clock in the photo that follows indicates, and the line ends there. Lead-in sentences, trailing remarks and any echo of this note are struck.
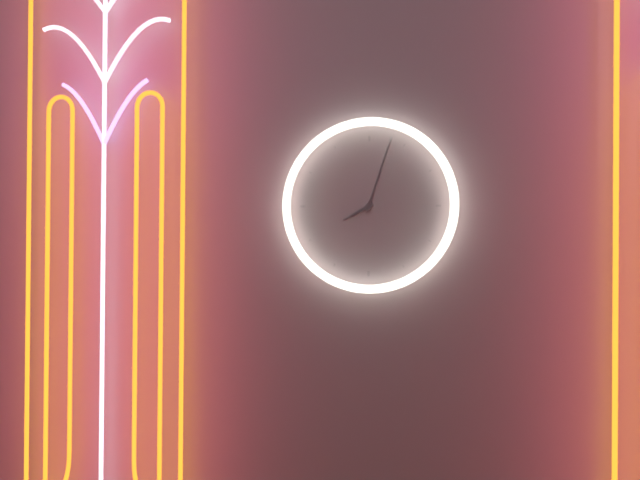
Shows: 8:03
